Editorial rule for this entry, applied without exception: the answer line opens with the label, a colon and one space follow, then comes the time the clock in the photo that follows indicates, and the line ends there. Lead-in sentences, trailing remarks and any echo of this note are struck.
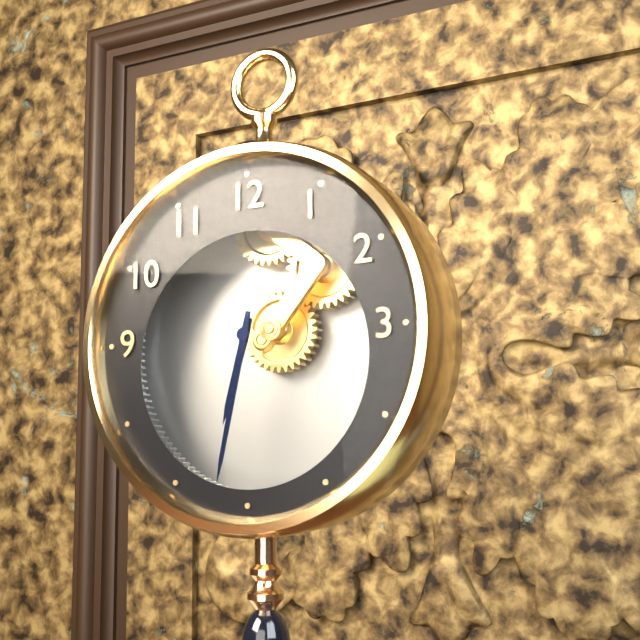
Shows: 6:32
